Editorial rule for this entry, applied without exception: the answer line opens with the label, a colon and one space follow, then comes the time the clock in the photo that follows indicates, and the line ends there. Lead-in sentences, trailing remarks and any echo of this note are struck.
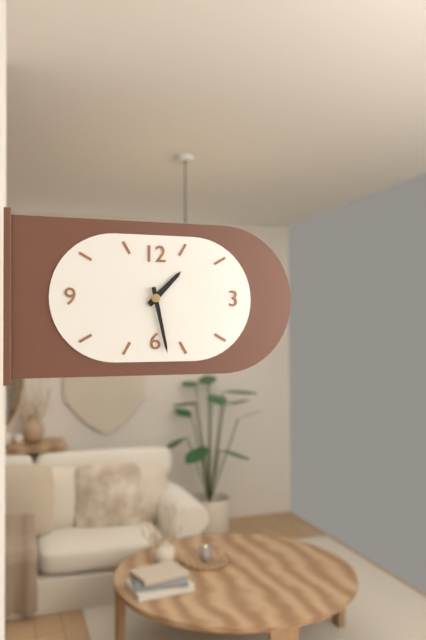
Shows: 1:28
